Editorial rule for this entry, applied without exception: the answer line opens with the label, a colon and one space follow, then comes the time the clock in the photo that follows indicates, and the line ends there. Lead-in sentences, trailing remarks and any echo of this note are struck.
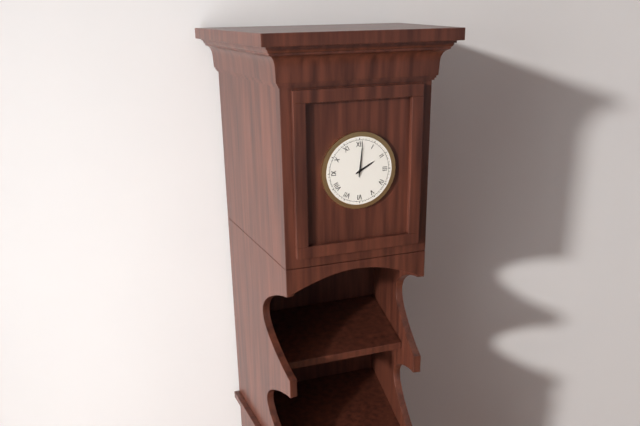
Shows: 2:01
